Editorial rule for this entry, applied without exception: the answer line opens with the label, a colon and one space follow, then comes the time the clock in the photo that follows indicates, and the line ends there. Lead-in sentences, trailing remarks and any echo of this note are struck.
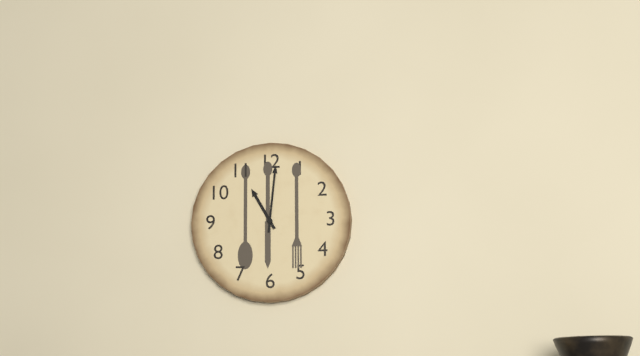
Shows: 11:01
